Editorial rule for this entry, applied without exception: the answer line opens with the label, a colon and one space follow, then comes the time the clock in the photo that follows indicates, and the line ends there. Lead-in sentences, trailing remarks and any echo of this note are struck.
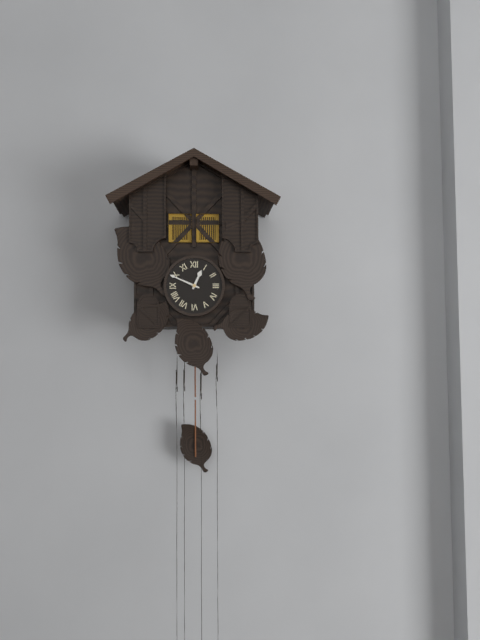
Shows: 12:49
